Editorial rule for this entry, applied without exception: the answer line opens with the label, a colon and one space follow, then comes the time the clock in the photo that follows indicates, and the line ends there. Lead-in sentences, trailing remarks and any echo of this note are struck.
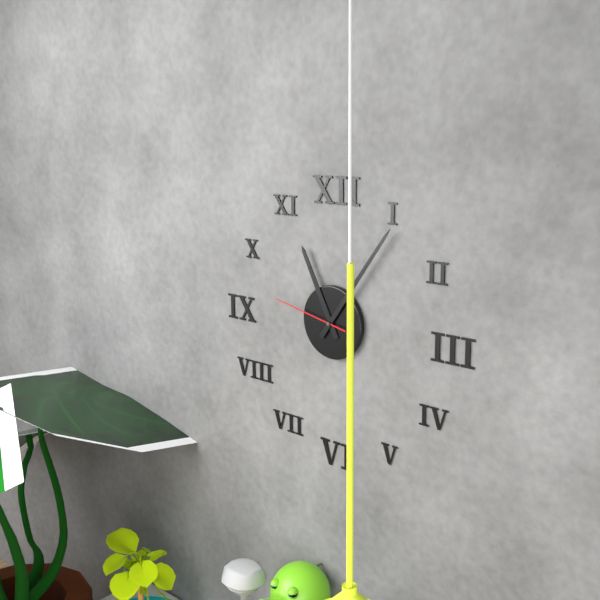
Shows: 11:06:47
